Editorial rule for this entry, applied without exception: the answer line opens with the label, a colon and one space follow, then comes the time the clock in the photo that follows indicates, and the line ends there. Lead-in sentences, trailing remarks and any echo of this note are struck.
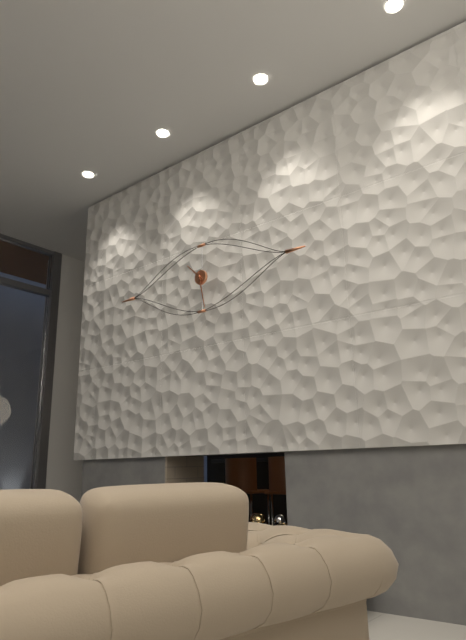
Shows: 10:28
